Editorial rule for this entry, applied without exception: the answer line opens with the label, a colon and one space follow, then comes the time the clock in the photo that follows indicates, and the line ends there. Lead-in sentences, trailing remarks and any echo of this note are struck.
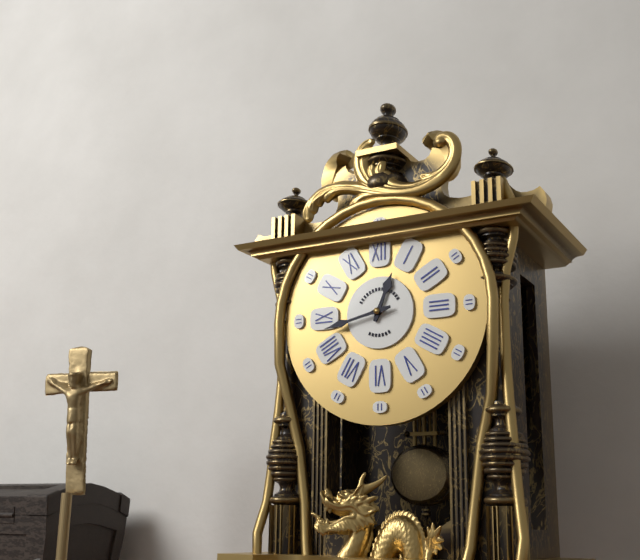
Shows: 12:43
